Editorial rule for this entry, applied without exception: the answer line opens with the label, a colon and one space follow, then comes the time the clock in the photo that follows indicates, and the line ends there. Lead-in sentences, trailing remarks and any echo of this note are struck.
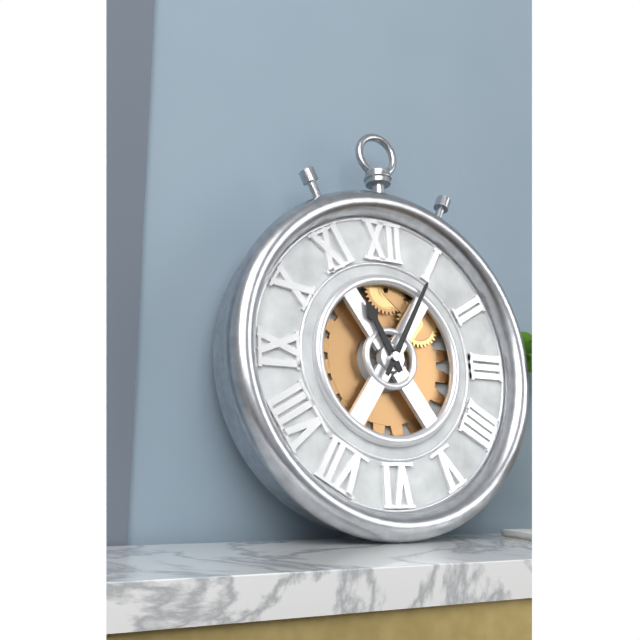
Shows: 11:05
